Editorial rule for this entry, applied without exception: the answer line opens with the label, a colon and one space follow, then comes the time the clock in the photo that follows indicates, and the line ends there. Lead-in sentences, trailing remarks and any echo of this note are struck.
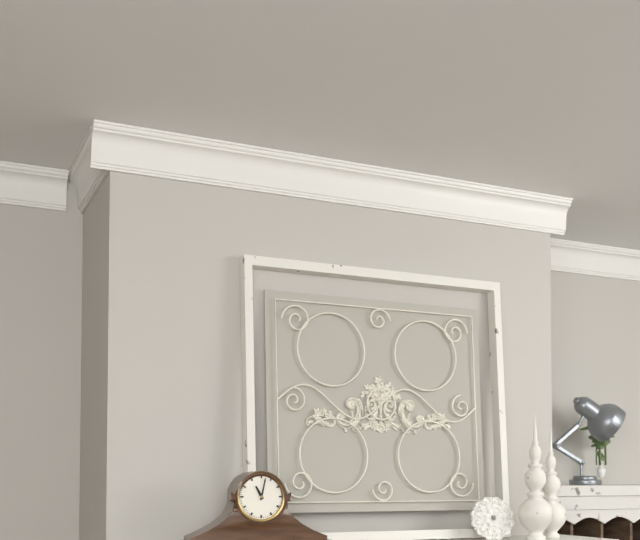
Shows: 11:02
